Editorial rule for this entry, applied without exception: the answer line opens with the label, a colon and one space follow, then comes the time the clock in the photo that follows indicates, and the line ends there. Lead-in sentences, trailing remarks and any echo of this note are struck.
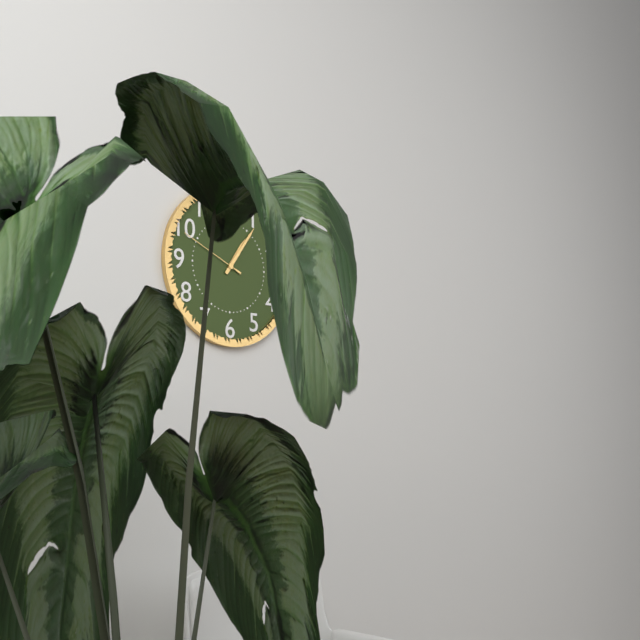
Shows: 1:06:49
